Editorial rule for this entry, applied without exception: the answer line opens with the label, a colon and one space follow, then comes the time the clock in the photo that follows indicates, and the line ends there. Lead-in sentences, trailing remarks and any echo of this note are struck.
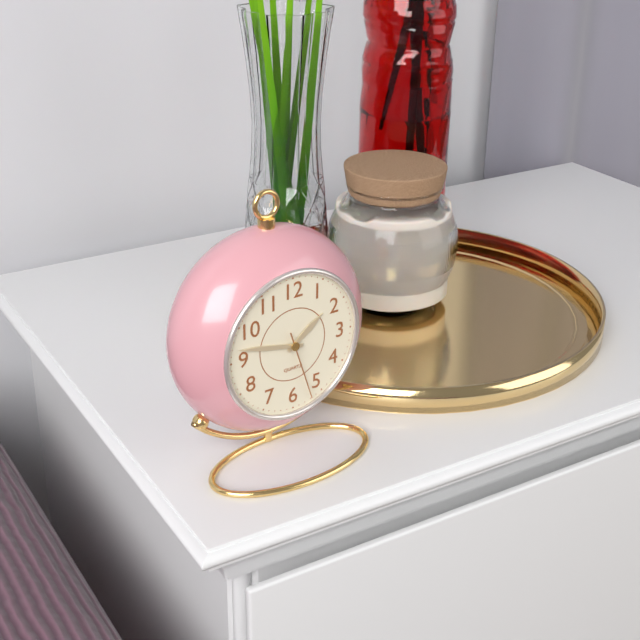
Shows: 1:47:27
